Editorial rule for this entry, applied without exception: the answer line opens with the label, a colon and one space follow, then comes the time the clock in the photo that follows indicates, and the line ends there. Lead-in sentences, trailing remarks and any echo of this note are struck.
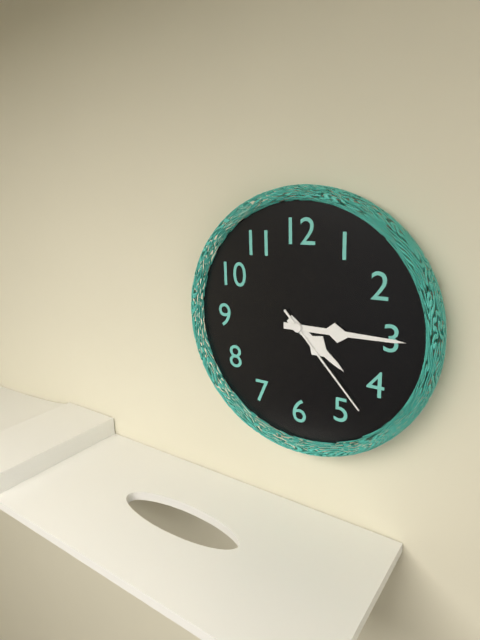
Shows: 4:15:23
